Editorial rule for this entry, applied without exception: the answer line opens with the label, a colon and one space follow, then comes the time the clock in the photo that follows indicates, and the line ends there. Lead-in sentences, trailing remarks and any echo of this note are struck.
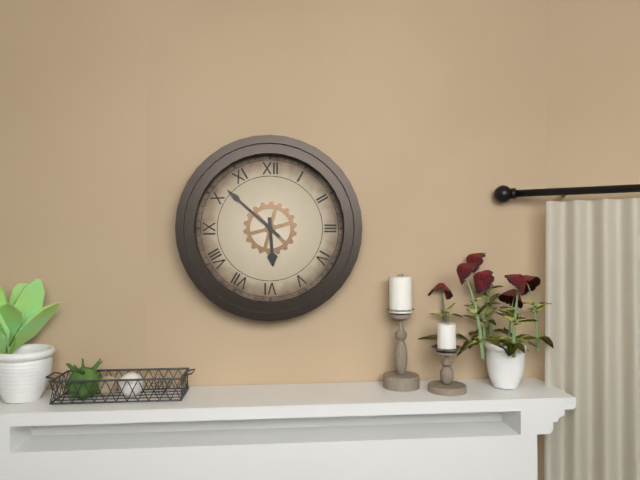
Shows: 5:52
